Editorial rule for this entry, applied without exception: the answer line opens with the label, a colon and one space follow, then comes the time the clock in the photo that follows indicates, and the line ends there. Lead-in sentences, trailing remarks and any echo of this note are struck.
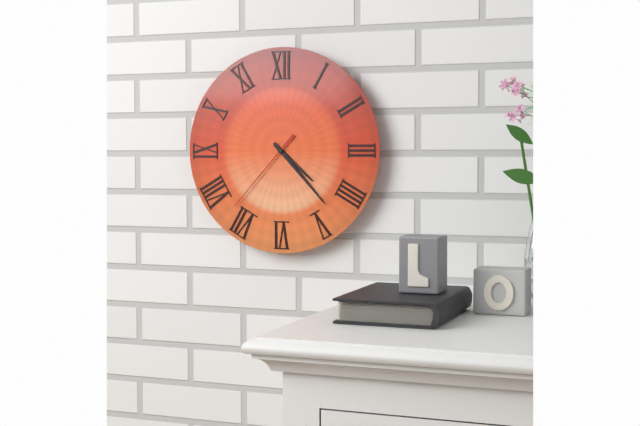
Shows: 4:23:37
